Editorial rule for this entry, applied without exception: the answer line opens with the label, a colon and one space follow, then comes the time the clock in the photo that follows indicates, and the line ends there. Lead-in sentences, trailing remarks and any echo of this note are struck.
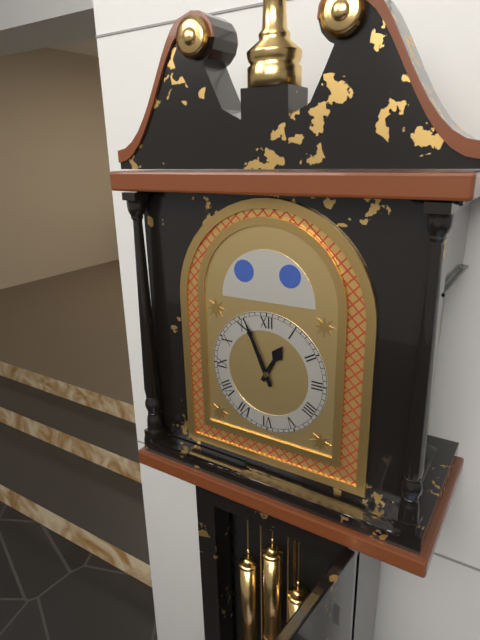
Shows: 12:56
